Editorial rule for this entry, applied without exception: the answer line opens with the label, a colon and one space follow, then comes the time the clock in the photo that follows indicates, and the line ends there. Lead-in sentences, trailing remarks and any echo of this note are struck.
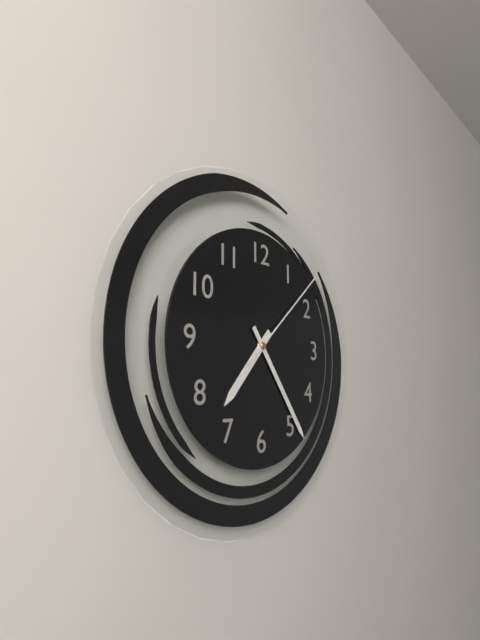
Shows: 7:24:08
